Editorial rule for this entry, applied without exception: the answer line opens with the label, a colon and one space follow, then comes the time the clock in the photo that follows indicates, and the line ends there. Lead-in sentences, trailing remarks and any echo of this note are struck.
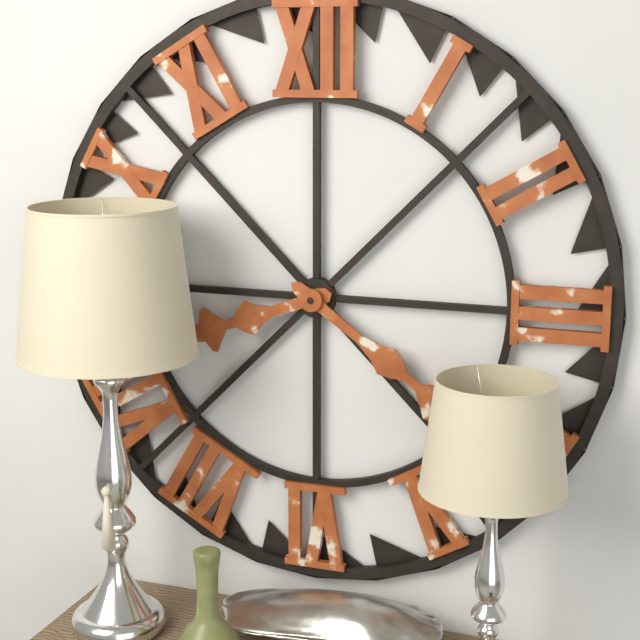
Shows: 8:21
